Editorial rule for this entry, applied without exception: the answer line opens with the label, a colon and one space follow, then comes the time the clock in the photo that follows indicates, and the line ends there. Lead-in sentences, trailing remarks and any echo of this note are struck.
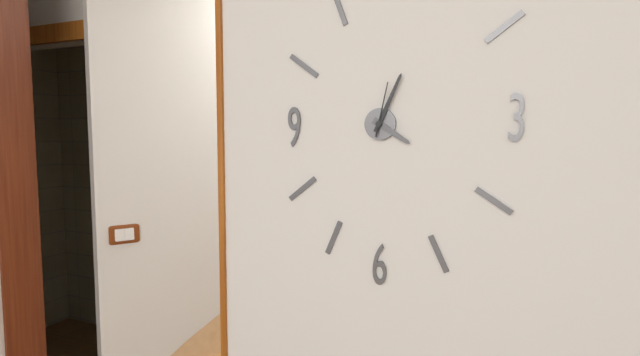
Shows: 4:04:02
